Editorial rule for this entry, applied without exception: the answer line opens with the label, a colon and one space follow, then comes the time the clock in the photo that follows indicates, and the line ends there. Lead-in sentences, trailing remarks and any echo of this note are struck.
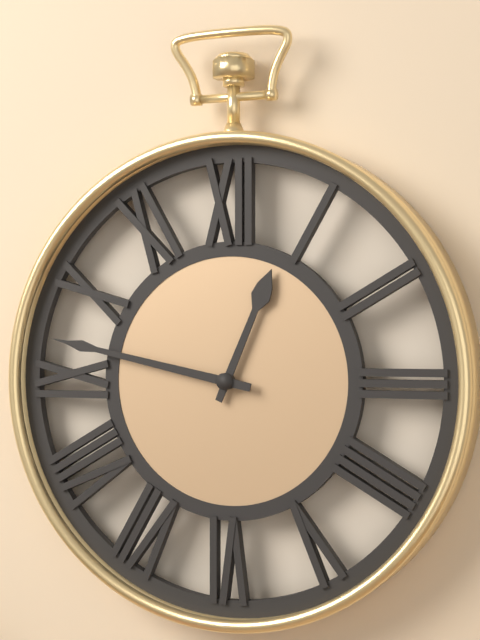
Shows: 12:47
